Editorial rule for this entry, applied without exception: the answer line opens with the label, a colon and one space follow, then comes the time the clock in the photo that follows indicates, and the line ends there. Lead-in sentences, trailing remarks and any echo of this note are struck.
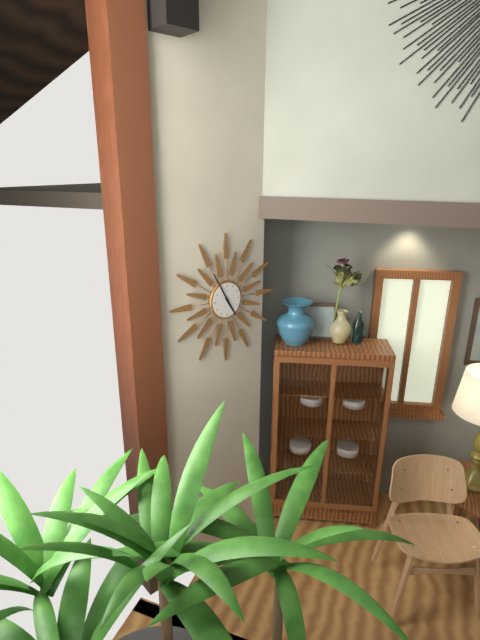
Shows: 4:55
